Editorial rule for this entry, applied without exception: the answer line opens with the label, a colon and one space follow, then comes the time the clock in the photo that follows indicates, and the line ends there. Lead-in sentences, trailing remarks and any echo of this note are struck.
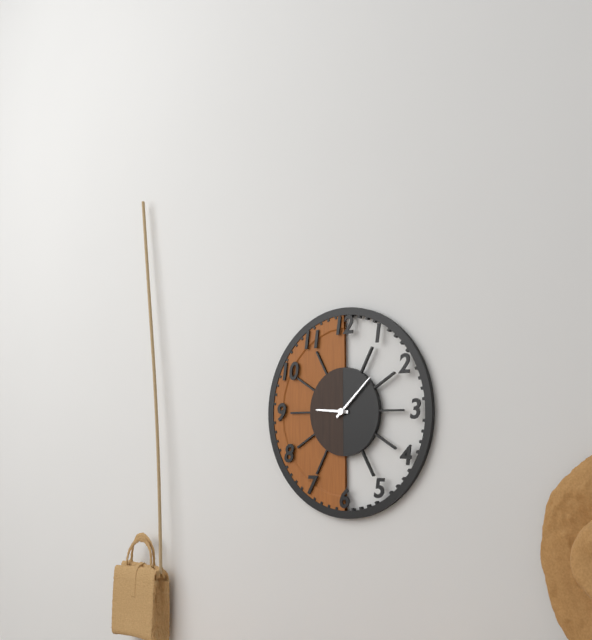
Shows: 9:08
